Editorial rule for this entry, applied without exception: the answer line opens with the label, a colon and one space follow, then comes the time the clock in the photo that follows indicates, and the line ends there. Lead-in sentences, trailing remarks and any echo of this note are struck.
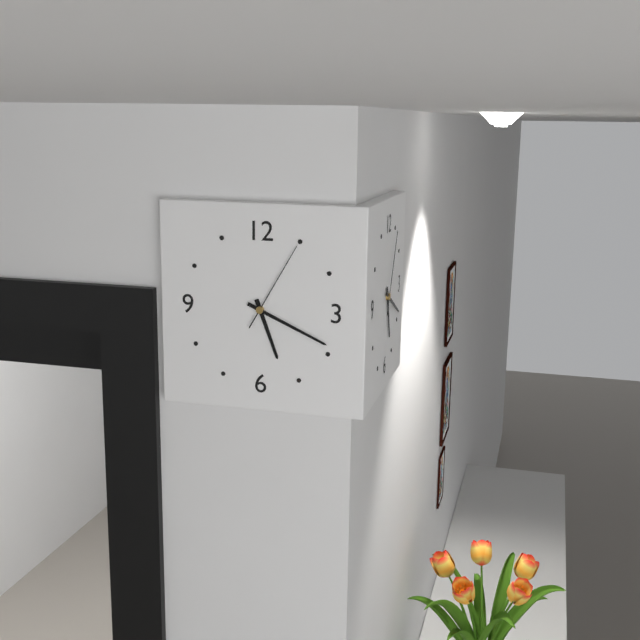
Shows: 5:19:05
